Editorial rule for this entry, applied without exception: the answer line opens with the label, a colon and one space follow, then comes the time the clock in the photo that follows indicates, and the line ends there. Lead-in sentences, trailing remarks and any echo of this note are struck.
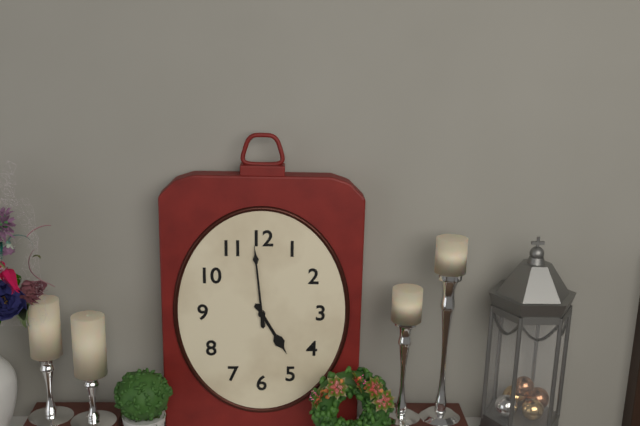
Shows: 4:59
